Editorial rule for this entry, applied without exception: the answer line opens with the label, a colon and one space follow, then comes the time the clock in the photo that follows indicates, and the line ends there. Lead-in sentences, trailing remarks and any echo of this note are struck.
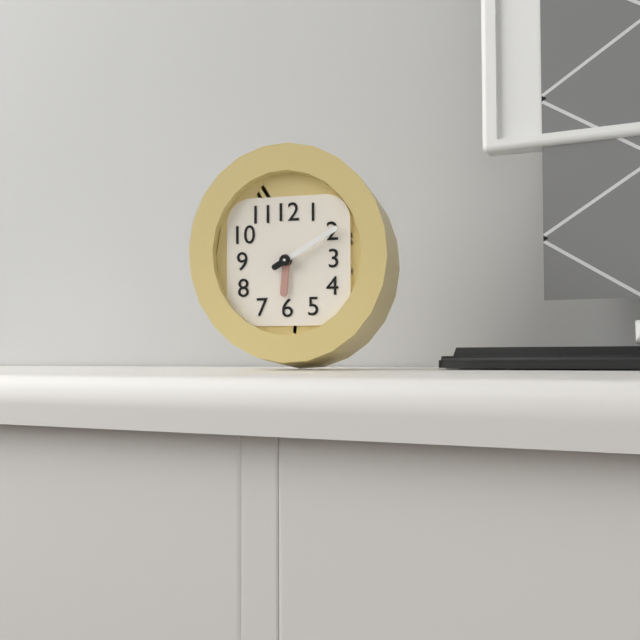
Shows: 6:10
